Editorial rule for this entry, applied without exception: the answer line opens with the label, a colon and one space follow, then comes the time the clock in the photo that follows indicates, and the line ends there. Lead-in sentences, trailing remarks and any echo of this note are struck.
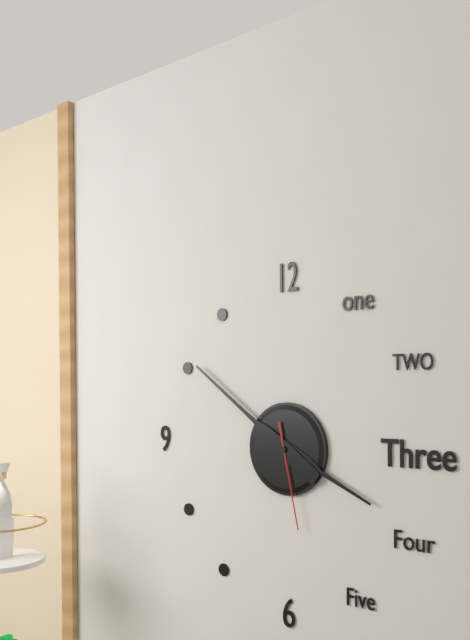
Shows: 3:51:28
